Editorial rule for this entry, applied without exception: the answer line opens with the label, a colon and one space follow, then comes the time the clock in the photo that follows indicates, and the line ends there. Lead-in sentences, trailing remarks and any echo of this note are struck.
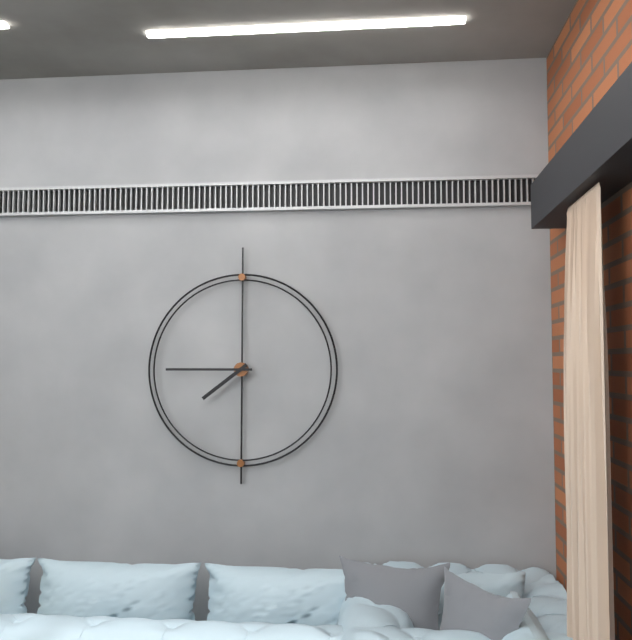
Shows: 7:45
